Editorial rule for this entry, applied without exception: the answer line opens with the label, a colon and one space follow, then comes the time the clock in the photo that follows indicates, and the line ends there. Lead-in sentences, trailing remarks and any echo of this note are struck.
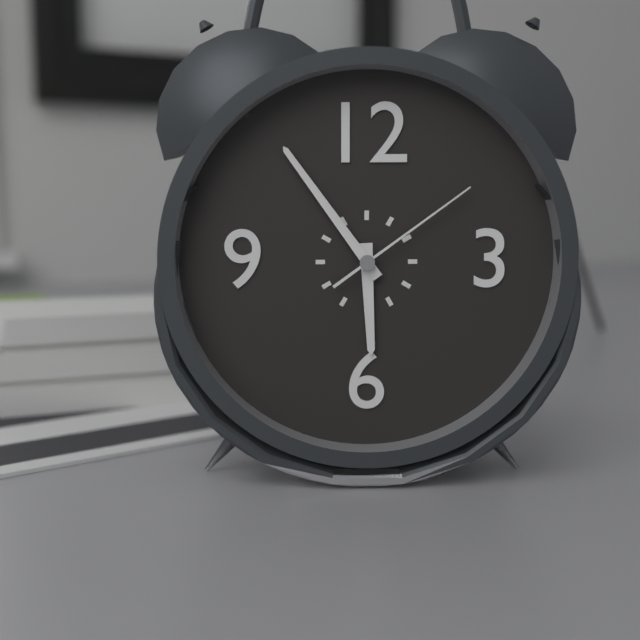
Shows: 5:54:09
